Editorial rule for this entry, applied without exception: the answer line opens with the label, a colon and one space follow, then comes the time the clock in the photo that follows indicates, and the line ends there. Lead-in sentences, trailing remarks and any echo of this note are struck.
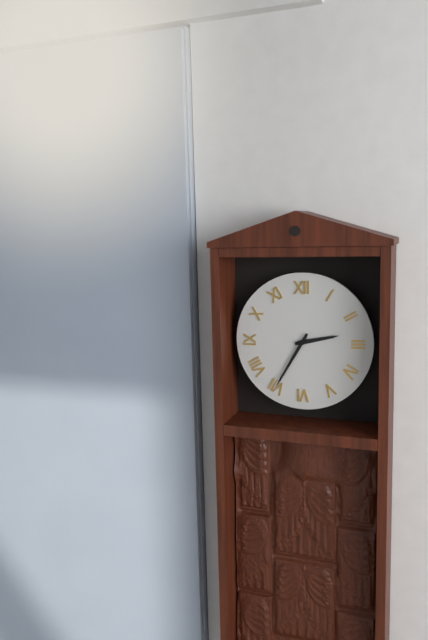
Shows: 2:35
